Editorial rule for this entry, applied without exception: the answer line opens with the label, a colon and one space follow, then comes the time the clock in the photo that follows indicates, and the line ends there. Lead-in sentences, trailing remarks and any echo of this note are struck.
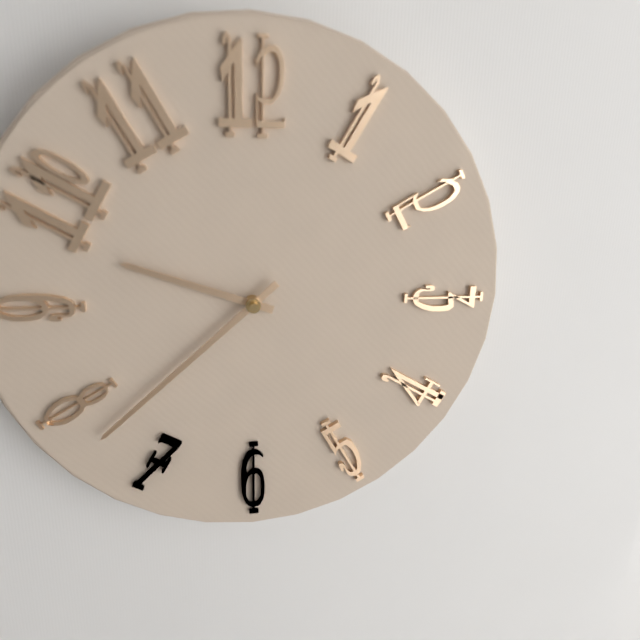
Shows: 9:38
